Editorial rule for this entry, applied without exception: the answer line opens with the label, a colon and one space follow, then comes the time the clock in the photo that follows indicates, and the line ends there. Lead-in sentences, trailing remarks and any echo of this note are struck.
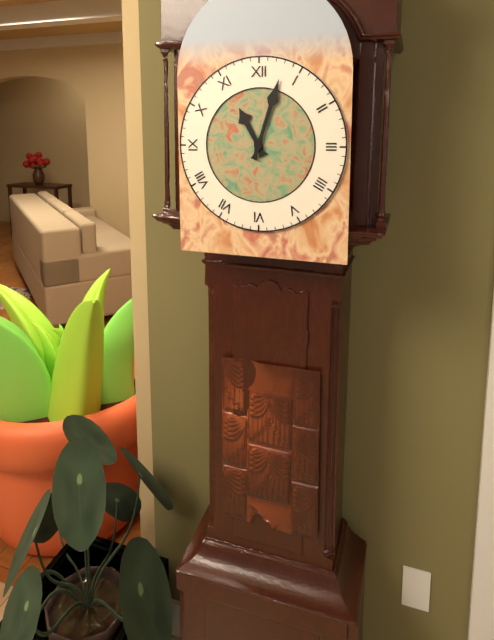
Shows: 11:03
